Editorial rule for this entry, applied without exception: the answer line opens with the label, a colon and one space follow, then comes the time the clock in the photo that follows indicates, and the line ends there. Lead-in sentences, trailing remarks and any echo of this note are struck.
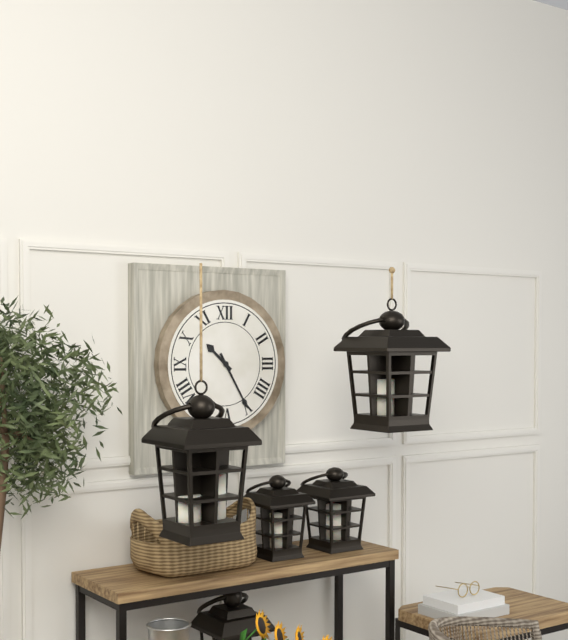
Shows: 10:25
